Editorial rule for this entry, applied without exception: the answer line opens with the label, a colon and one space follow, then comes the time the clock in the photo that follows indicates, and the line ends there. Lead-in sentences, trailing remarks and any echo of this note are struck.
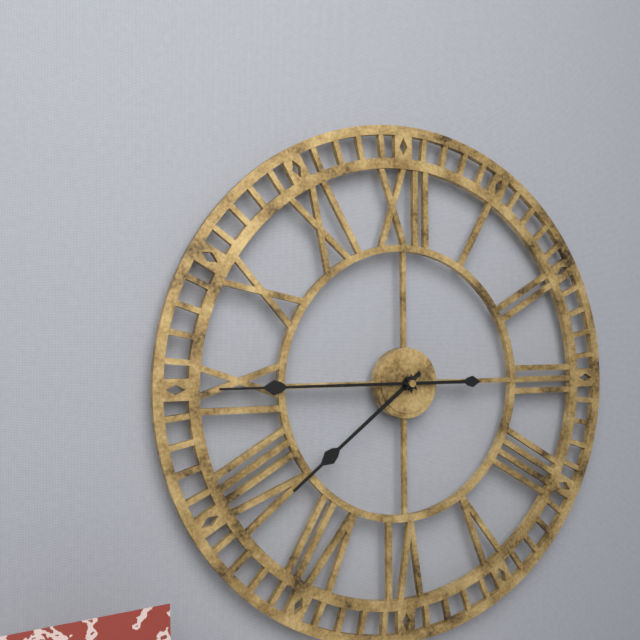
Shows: 7:45
